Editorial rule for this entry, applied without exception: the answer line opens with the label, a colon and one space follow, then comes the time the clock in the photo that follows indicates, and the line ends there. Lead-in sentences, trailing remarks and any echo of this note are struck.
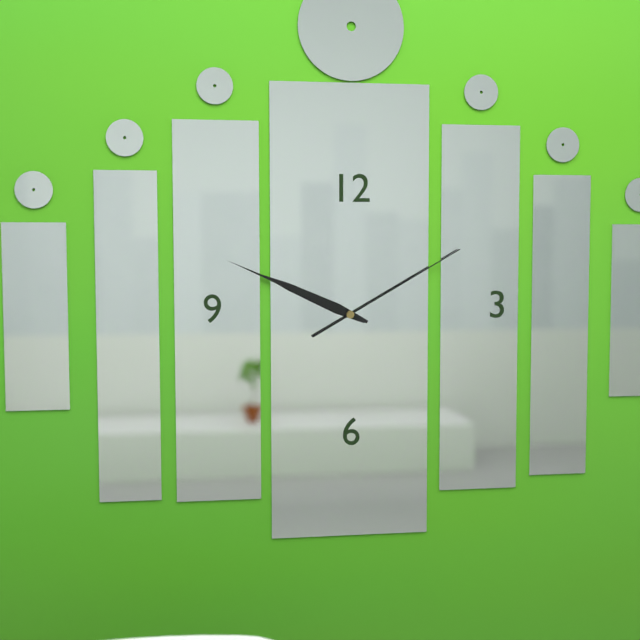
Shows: 9:49:10
